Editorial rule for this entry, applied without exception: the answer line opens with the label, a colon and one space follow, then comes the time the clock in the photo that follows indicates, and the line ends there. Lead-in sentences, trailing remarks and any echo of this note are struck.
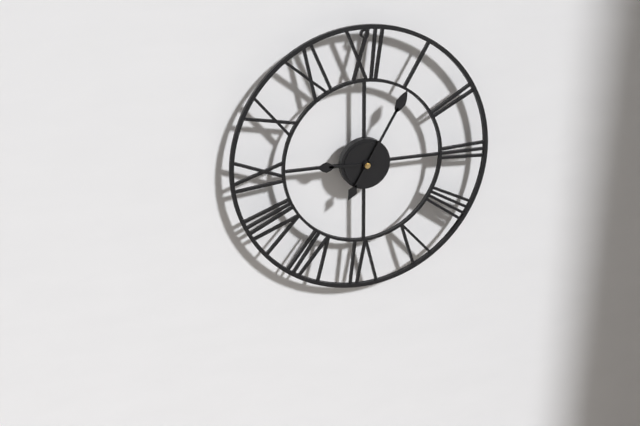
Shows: 9:05
